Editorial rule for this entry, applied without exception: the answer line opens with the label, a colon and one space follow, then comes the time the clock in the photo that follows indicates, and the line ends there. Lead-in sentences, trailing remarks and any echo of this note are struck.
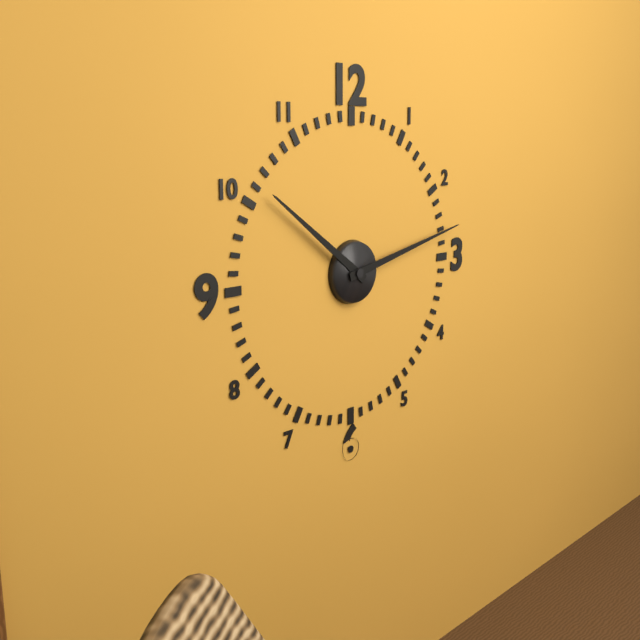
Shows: 10:13
